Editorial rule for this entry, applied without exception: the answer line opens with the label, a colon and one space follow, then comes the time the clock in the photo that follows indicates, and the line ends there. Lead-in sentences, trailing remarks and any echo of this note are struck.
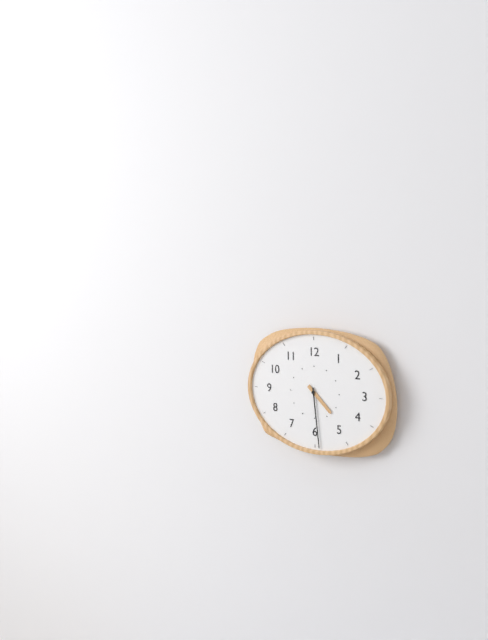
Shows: 4:29
